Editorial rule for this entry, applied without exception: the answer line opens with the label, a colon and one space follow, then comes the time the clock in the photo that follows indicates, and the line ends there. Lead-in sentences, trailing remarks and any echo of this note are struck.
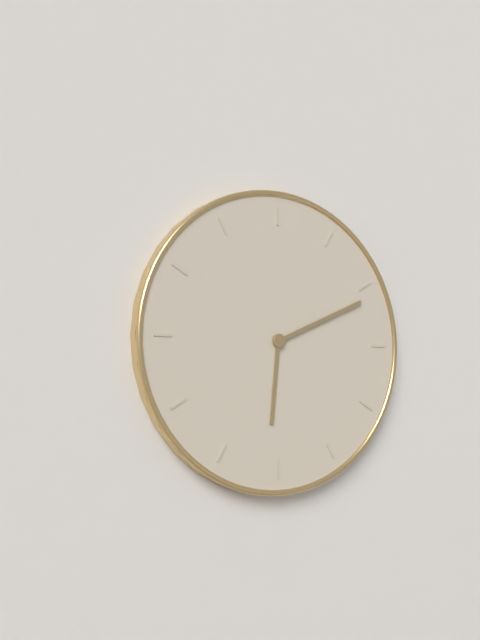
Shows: 6:11
